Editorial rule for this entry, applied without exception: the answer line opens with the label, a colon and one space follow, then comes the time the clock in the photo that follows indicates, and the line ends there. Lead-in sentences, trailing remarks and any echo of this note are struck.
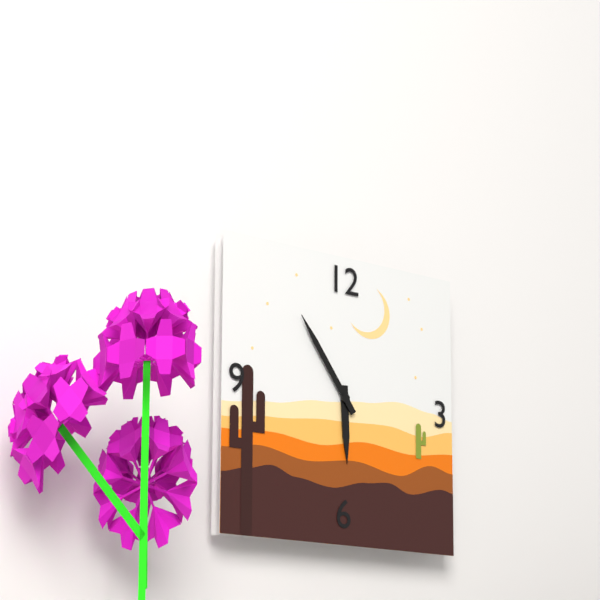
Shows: 5:54
